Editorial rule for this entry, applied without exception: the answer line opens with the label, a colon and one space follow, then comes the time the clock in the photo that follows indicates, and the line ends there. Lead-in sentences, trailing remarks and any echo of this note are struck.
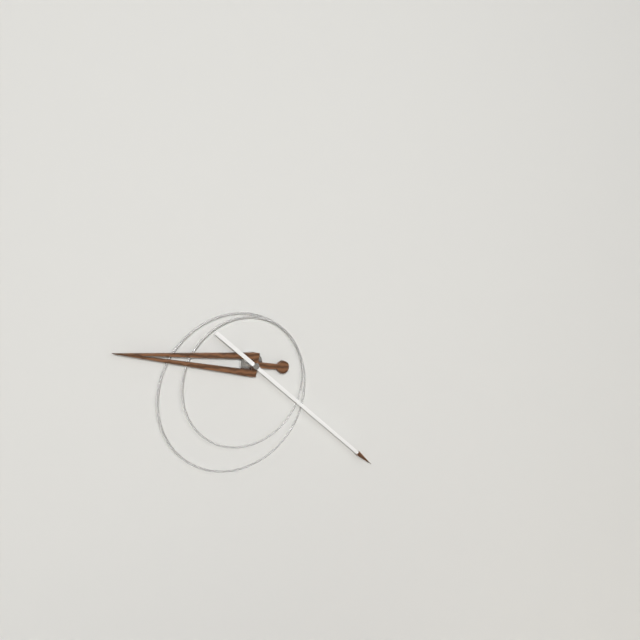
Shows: 9:22
